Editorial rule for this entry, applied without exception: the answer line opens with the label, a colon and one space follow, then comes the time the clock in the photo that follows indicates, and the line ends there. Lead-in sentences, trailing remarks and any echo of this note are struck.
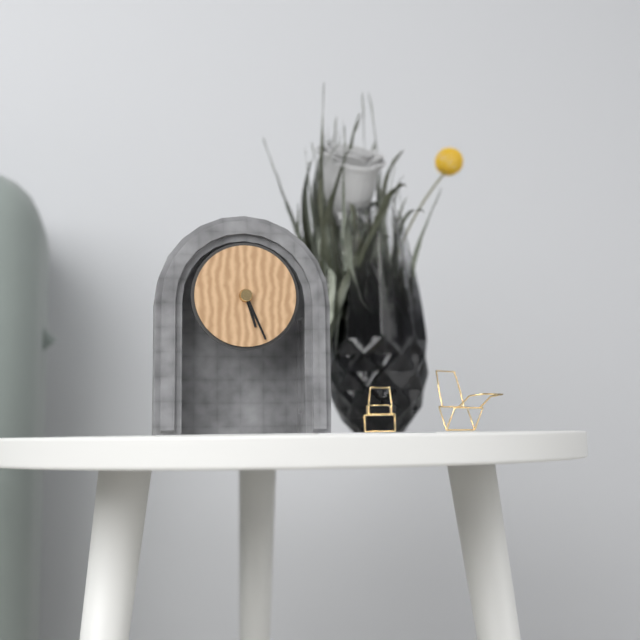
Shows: 5:26
